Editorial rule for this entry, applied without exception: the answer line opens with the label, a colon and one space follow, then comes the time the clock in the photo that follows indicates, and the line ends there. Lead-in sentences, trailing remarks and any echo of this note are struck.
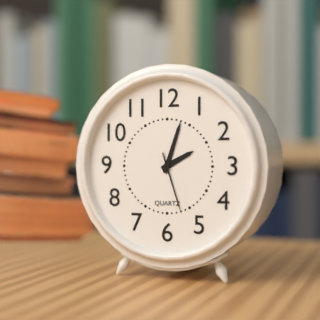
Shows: 2:03:27
